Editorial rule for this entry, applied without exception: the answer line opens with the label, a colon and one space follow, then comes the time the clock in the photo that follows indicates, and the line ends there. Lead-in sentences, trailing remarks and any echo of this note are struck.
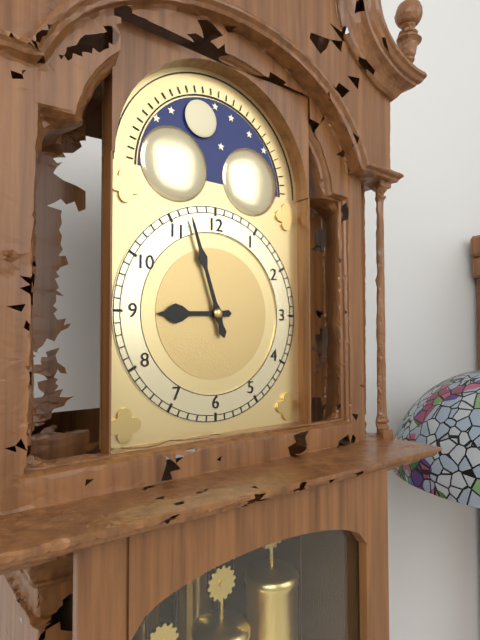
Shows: 8:57
